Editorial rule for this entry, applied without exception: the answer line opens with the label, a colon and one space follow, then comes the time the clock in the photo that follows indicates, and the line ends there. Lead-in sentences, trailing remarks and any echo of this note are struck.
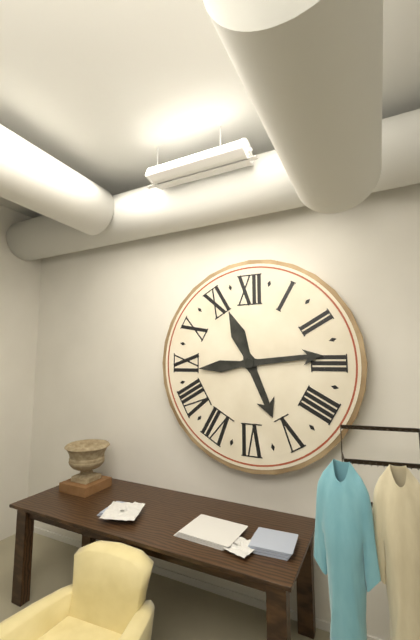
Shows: 5:14
